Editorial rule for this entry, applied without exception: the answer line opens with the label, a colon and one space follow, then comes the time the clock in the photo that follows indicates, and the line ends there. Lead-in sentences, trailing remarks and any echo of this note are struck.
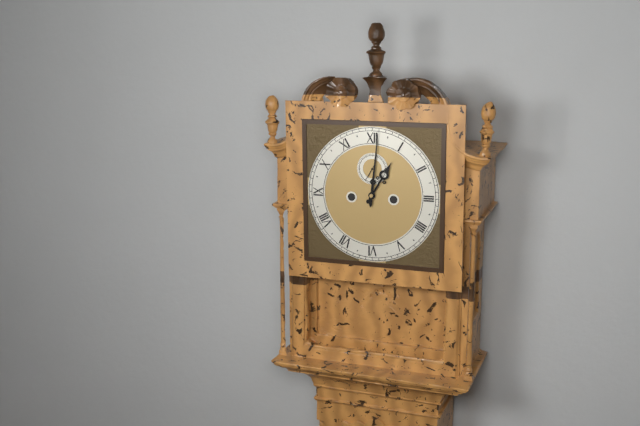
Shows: 1:01
